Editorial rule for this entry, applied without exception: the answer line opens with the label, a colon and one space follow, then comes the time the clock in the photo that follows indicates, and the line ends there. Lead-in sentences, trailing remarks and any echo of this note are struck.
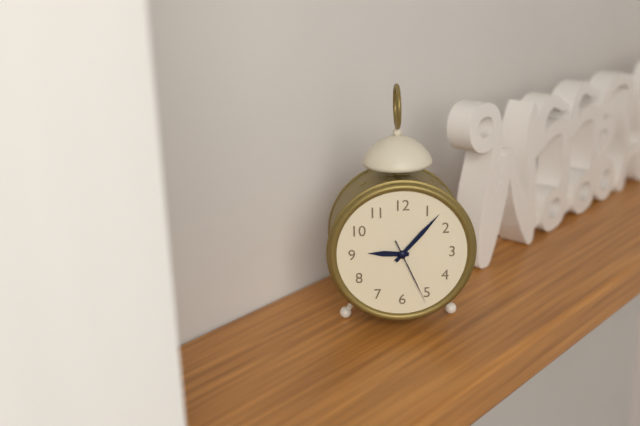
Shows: 9:07:26
